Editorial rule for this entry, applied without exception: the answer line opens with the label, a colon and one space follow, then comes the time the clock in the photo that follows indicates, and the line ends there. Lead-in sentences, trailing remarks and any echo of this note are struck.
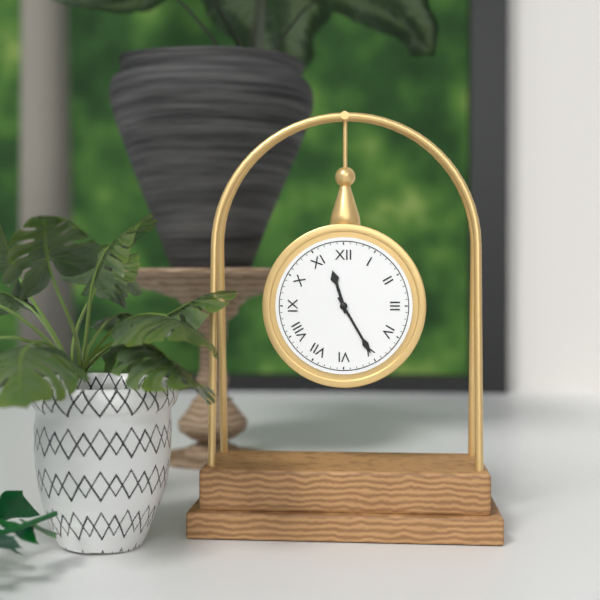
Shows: 11:25
